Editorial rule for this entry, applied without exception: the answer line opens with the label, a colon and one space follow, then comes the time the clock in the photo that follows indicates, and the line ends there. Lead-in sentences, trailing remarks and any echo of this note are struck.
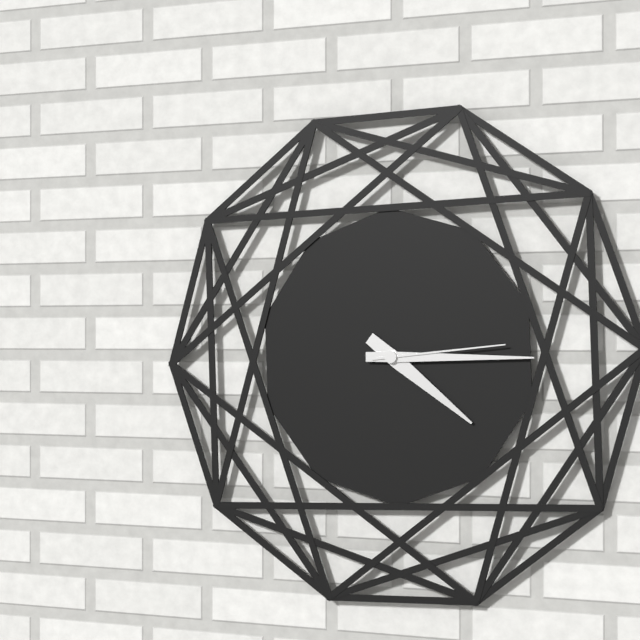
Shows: 4:15:14
